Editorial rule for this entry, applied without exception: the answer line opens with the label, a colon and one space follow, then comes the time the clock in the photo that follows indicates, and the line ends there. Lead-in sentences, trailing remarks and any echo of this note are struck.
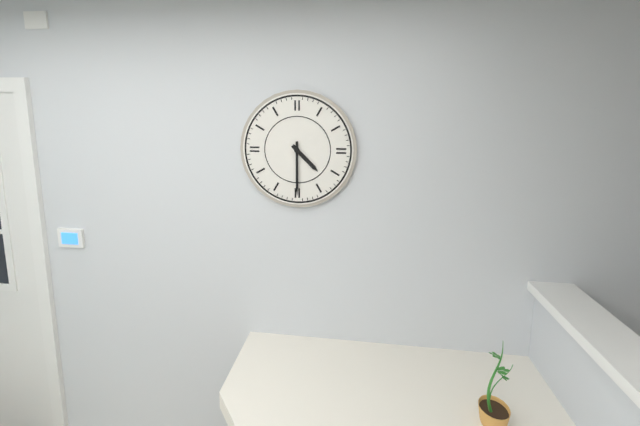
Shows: 4:30
